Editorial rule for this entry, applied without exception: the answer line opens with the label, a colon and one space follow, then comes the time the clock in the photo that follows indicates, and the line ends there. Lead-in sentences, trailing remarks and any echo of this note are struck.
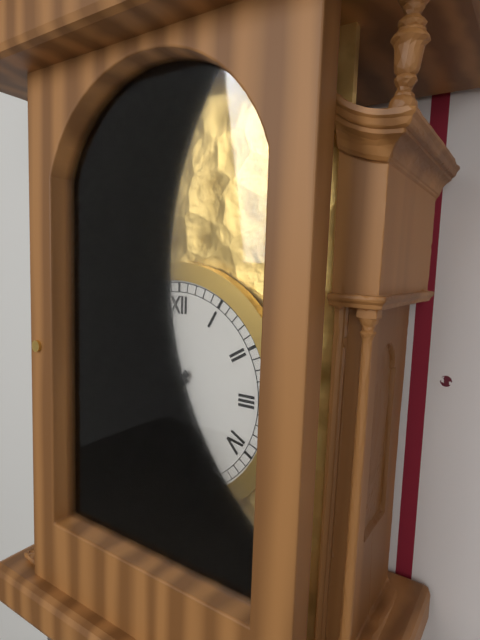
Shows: 7:37
